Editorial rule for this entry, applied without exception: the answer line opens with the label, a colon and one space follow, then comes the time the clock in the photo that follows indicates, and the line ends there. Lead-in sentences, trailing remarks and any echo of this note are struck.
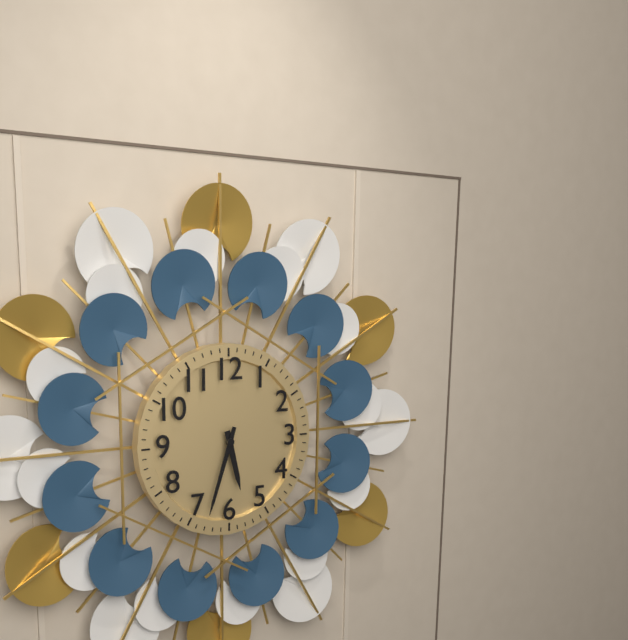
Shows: 5:33
